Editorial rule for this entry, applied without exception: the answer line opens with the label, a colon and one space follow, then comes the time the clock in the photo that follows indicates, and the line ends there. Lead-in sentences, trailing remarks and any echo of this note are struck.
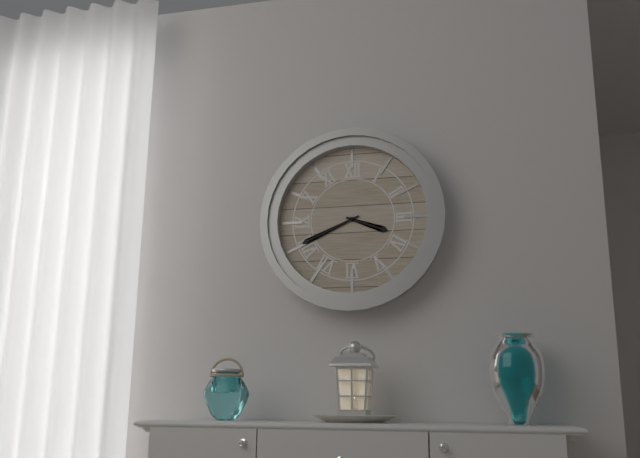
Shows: 3:41
